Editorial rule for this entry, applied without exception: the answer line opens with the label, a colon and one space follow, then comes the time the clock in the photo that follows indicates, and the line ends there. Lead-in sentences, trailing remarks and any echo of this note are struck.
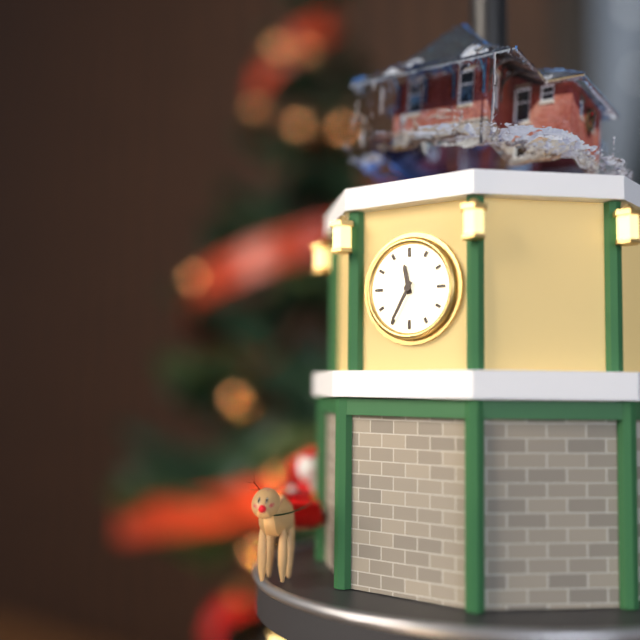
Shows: 11:35
